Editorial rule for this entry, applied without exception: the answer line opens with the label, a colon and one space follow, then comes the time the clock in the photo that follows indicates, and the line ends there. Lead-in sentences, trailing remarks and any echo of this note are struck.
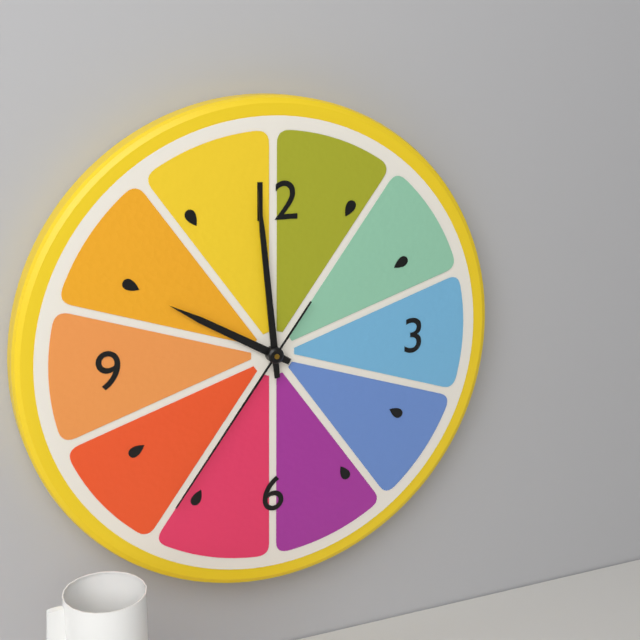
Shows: 9:59:36
